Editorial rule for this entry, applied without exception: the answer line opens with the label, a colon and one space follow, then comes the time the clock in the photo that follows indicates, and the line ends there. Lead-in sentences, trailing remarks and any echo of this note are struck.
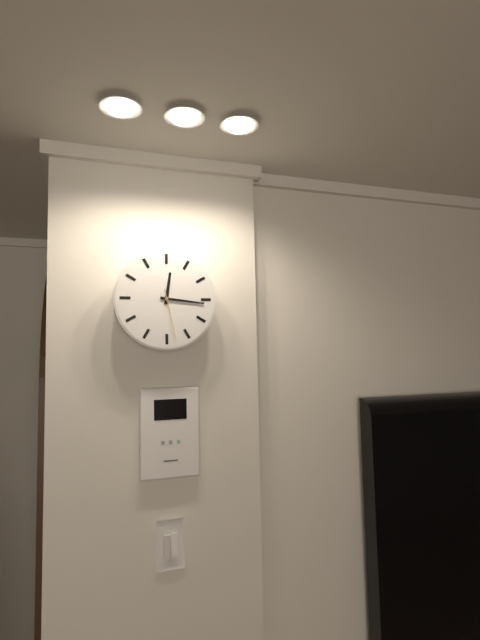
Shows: 12:16:28
